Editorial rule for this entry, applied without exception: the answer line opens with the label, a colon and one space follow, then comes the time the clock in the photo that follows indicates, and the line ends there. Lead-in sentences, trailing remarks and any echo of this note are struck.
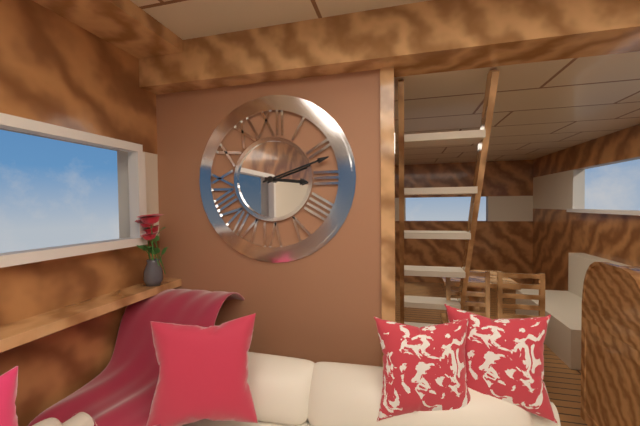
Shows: 3:12
